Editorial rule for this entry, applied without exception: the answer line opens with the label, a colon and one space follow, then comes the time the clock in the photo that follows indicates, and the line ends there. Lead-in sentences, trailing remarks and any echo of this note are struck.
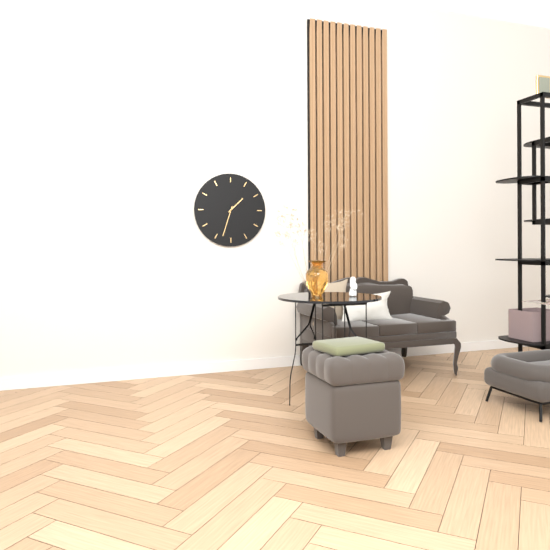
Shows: 1:33
